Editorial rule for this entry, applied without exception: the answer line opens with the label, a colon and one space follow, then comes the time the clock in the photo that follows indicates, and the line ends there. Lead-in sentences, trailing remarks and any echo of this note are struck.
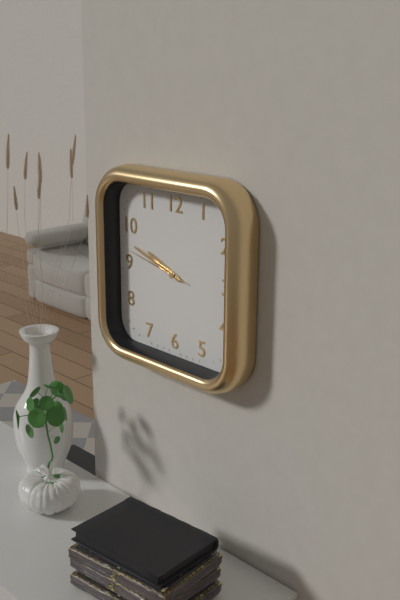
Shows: 9:48:47
